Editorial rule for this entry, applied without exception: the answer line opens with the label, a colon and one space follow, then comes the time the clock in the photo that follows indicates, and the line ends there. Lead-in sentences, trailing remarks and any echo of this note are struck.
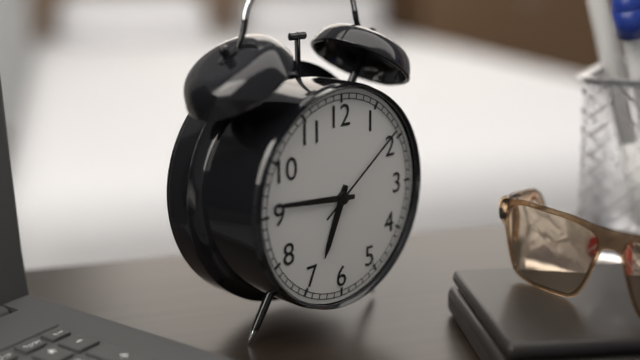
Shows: 6:46:09
